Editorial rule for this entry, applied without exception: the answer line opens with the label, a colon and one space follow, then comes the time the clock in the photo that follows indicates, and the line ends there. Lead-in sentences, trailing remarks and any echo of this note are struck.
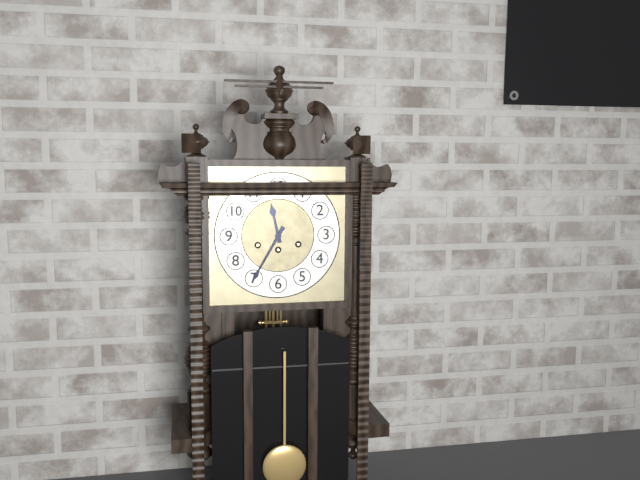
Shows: 11:35
